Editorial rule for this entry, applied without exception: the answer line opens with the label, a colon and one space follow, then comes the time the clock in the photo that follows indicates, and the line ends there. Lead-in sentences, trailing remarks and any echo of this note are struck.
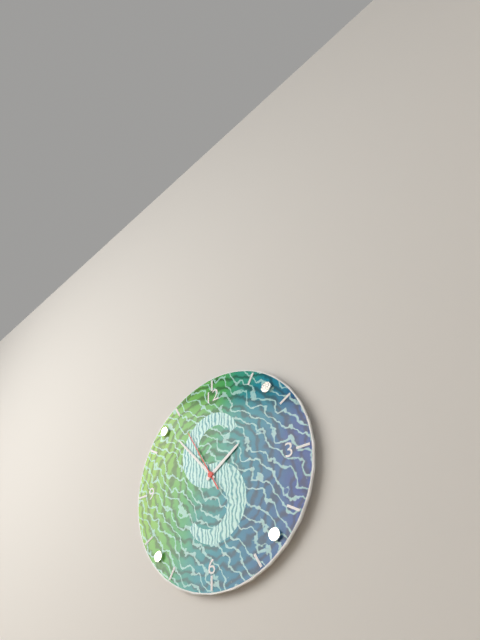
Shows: 1:53:55
